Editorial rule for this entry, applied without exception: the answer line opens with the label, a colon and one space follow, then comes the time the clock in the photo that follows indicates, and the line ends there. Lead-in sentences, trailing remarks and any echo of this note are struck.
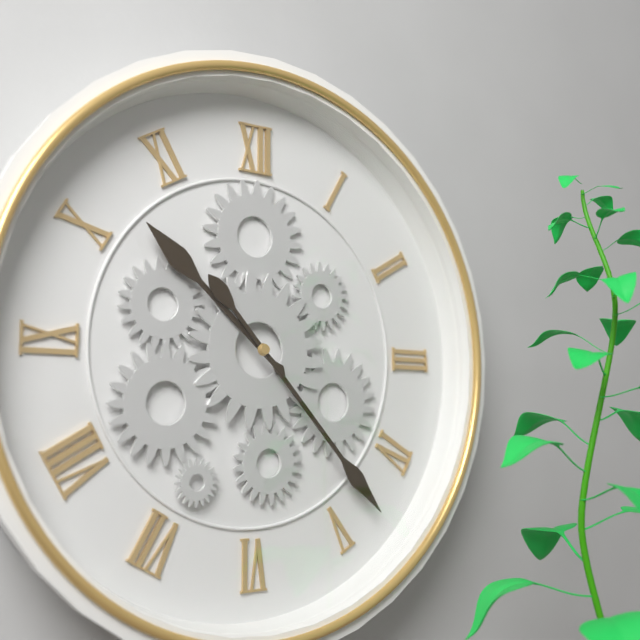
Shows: 10:23
